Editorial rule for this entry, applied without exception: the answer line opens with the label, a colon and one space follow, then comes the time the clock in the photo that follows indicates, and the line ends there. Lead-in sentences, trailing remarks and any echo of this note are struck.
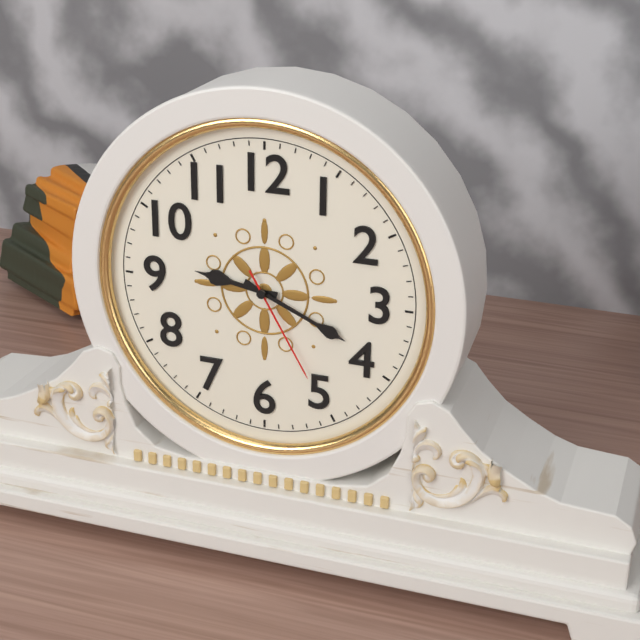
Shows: 9:19:25
